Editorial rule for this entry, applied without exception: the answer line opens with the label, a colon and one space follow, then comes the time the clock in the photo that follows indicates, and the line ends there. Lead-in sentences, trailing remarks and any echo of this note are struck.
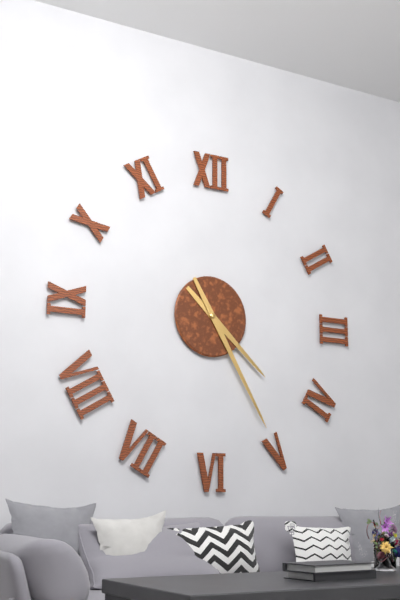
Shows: 4:25
